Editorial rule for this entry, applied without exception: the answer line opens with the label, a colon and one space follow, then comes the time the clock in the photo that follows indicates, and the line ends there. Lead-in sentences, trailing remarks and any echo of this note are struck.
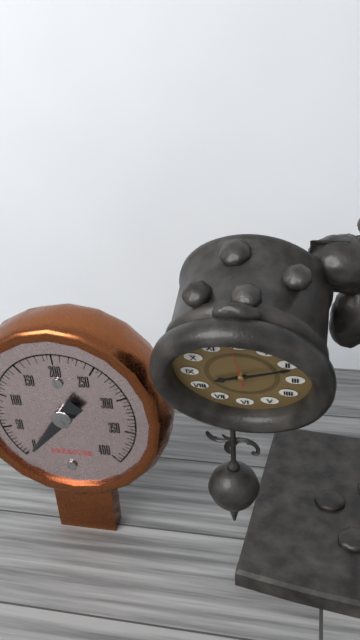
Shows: 8:11
